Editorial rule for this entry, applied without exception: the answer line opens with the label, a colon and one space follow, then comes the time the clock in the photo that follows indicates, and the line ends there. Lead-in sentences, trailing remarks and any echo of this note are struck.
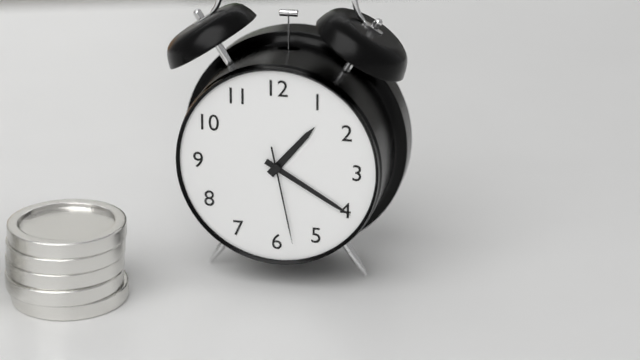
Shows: 1:20:28
